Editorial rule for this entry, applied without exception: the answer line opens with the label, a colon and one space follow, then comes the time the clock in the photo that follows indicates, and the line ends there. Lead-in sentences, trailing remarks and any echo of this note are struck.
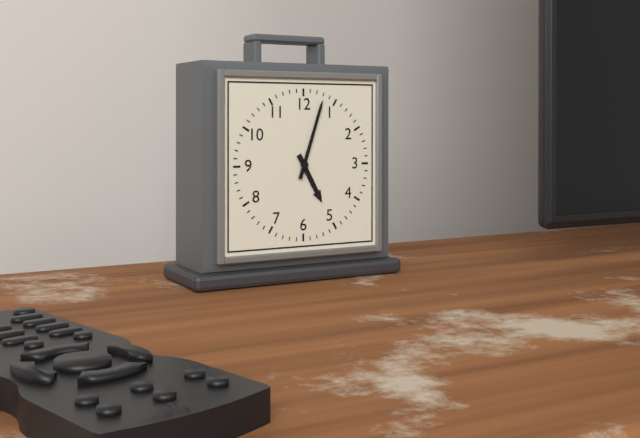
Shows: 5:03
